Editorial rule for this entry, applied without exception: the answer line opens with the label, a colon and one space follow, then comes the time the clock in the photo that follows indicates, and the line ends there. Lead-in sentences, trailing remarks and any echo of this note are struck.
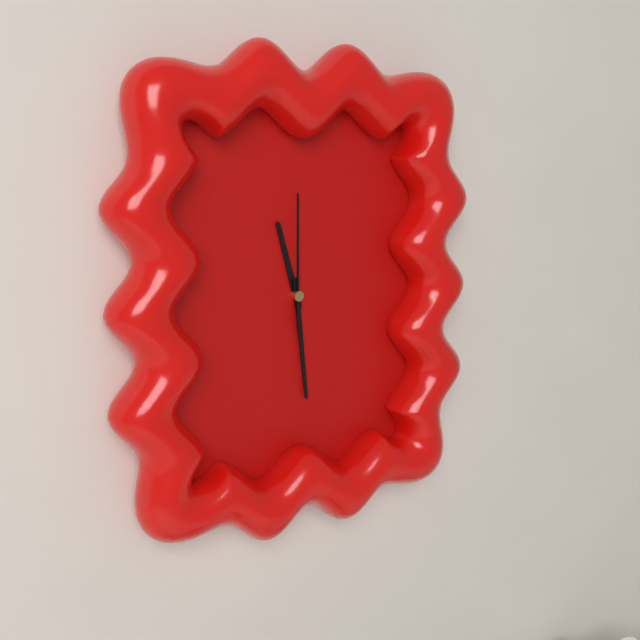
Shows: 11:29:00
